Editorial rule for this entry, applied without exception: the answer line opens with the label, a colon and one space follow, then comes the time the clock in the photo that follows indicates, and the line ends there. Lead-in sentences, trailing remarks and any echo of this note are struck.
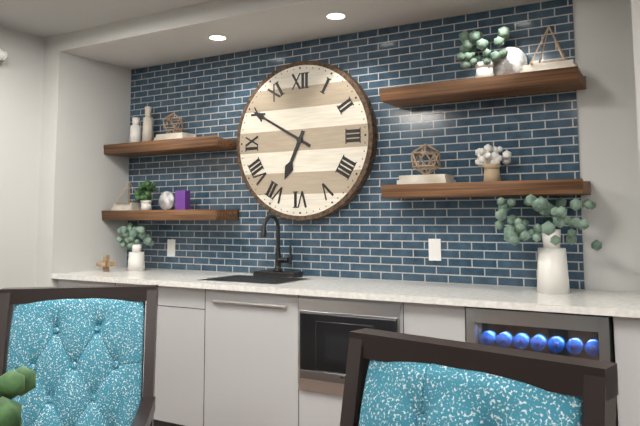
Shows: 6:50
